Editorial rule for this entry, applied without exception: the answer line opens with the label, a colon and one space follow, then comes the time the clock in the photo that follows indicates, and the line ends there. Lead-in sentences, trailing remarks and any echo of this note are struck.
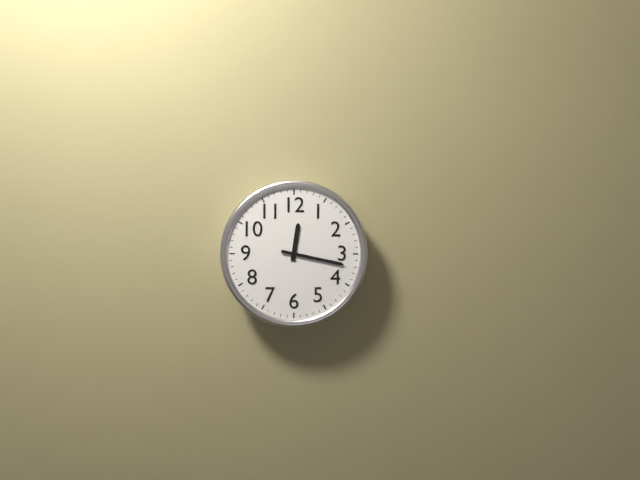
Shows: 12:17
